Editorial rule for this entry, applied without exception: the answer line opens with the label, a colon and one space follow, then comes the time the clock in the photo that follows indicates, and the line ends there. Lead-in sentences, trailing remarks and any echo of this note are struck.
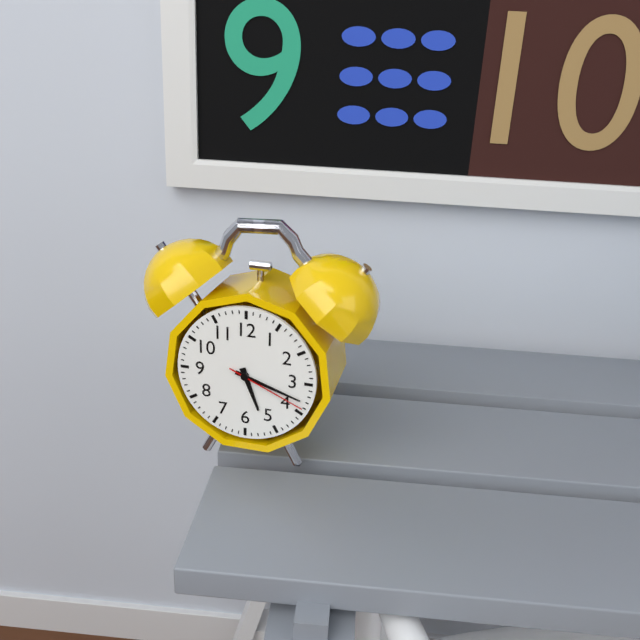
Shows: 5:18:19
